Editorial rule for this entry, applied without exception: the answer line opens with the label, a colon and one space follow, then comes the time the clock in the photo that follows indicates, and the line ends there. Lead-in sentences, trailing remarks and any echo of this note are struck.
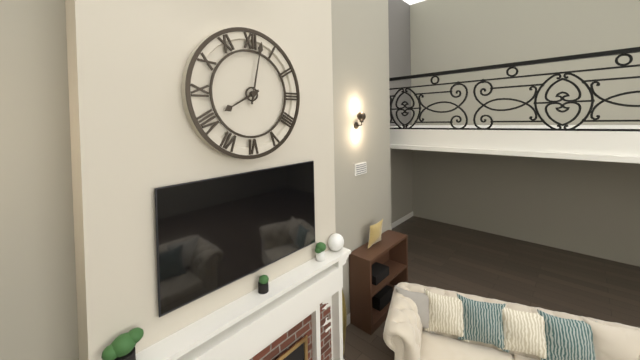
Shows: 8:02
